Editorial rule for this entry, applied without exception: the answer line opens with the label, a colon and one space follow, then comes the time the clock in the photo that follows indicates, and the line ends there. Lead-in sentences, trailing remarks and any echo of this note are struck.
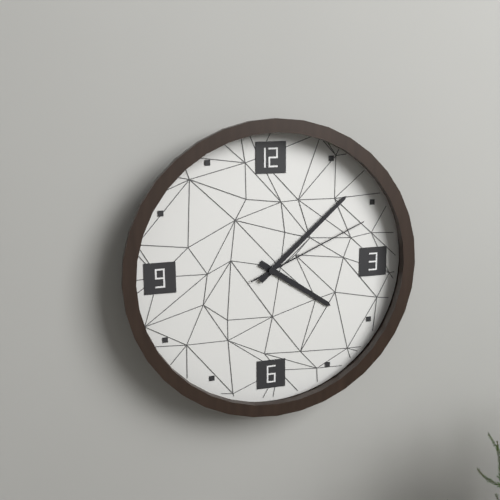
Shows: 4:08:11
